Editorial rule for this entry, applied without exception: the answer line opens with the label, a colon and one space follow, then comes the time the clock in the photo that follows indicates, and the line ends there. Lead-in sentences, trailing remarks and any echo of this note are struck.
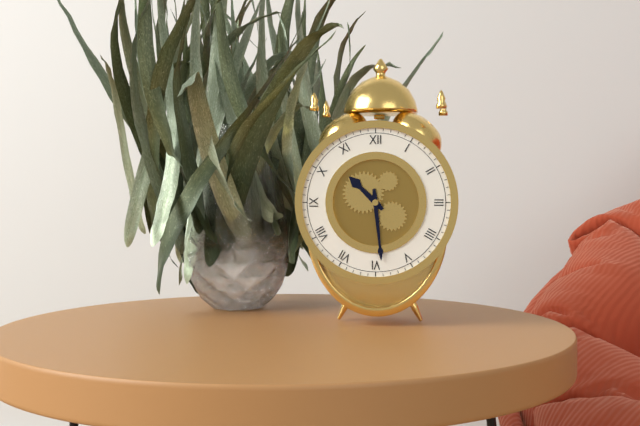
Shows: 10:29
